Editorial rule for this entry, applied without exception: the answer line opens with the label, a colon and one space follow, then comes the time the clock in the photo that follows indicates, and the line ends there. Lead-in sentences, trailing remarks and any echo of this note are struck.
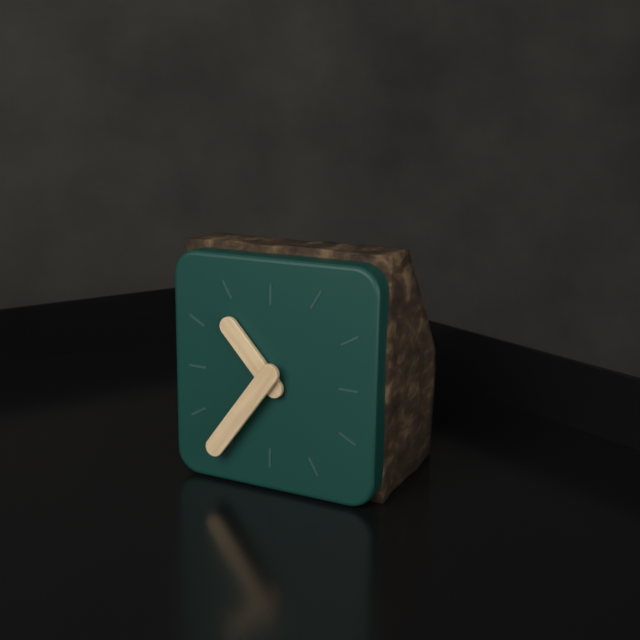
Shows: 10:36
